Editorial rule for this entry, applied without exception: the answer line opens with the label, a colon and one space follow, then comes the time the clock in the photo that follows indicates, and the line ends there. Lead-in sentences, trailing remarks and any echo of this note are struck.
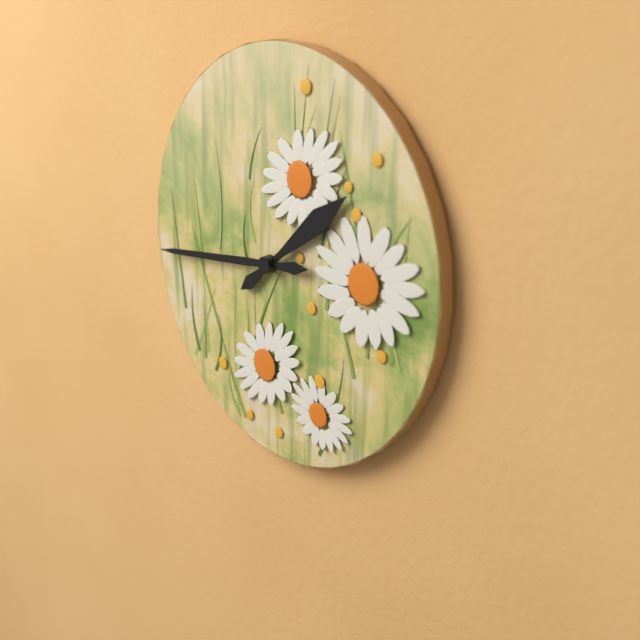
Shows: 1:44
